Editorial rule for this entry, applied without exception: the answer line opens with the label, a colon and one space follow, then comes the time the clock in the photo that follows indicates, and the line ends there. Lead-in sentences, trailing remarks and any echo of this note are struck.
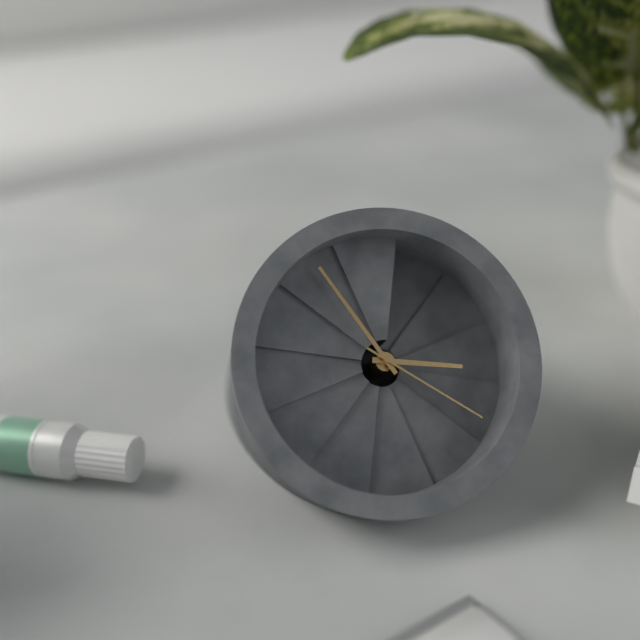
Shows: 2:53:19
